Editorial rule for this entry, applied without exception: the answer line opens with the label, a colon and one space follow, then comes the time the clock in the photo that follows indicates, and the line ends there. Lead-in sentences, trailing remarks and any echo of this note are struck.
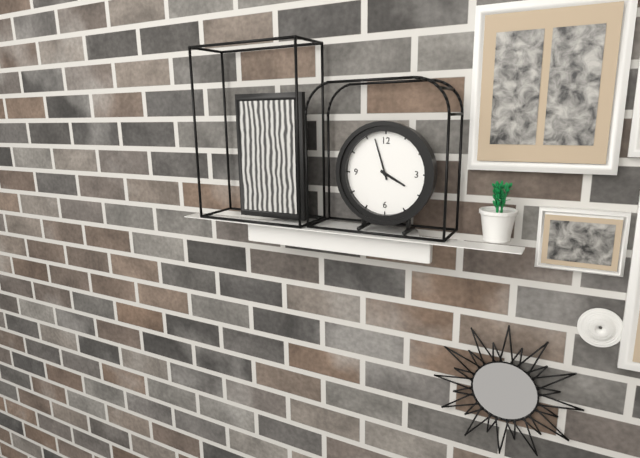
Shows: 3:57
